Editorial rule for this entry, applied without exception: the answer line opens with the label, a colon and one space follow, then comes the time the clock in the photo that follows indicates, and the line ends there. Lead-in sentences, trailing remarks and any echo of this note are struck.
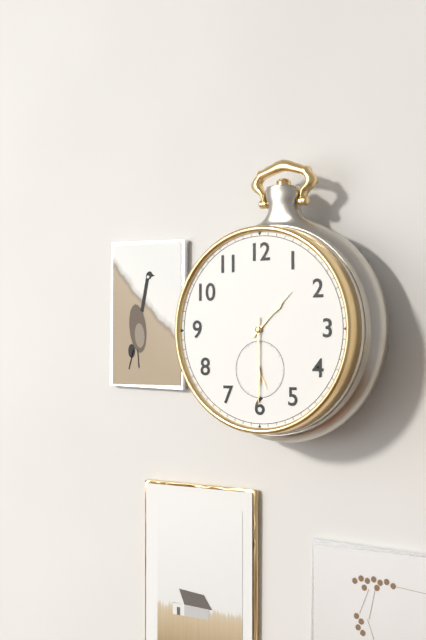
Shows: 1:30
